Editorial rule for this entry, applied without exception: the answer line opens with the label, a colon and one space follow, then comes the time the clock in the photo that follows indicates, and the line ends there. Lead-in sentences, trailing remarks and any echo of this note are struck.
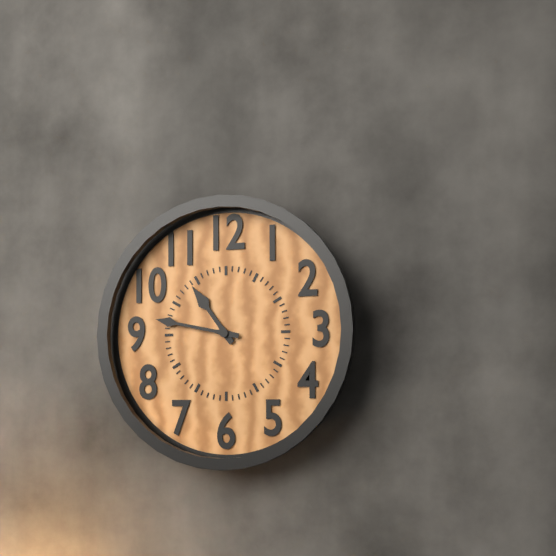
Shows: 10:47
